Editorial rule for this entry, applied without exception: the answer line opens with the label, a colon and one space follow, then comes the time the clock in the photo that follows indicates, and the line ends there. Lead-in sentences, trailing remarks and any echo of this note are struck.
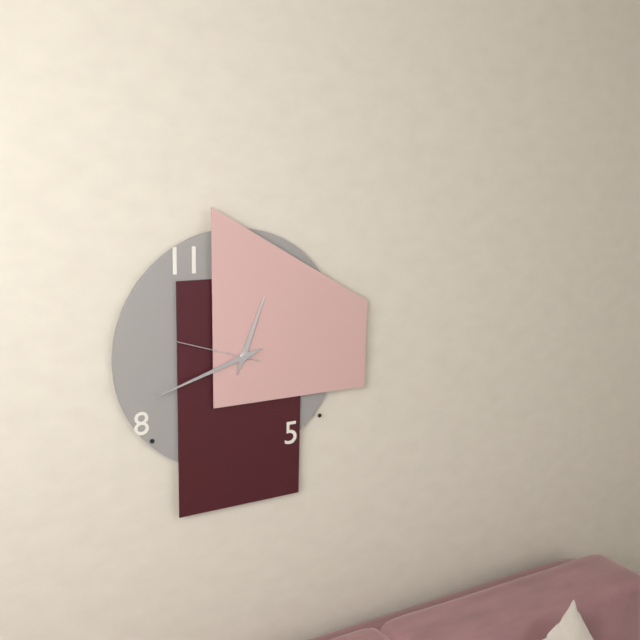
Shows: 12:42:48
